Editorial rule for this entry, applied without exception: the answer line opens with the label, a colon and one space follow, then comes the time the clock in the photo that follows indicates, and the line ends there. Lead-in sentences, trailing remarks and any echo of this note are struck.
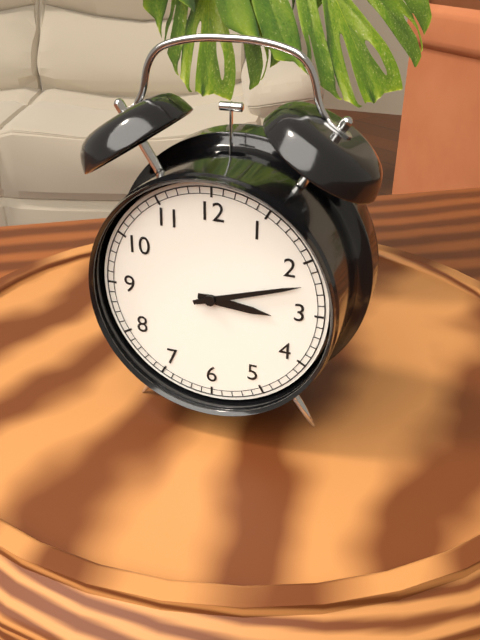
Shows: 3:12
